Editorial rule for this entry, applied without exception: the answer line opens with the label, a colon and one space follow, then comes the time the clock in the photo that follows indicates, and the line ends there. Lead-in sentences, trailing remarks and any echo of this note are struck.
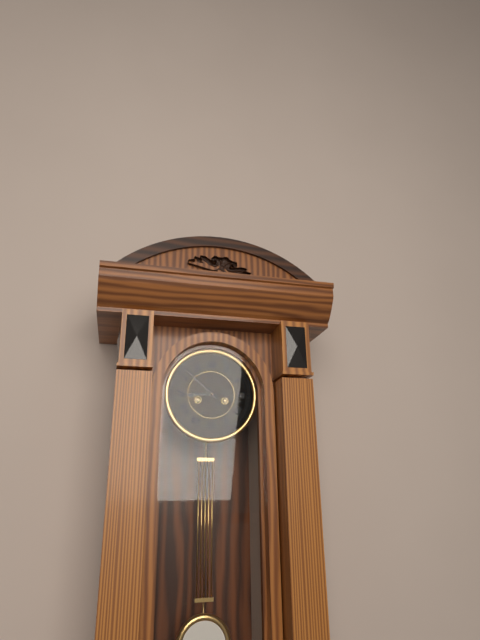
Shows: 8:52
